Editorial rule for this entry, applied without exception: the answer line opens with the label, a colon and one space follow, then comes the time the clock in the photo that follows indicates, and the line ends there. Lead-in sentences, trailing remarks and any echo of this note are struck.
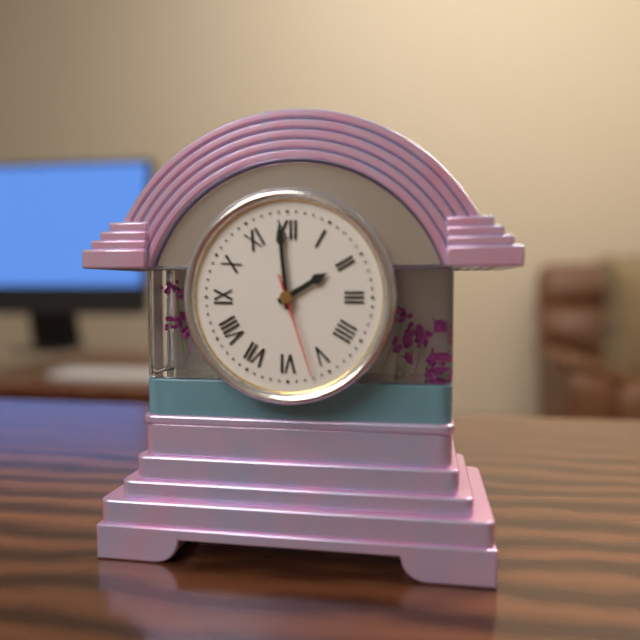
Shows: 1:59:27
